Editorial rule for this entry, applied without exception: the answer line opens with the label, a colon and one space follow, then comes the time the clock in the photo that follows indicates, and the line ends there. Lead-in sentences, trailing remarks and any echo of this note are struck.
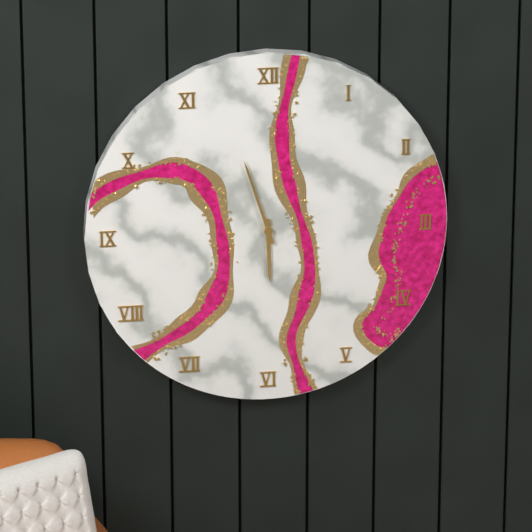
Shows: 5:57
